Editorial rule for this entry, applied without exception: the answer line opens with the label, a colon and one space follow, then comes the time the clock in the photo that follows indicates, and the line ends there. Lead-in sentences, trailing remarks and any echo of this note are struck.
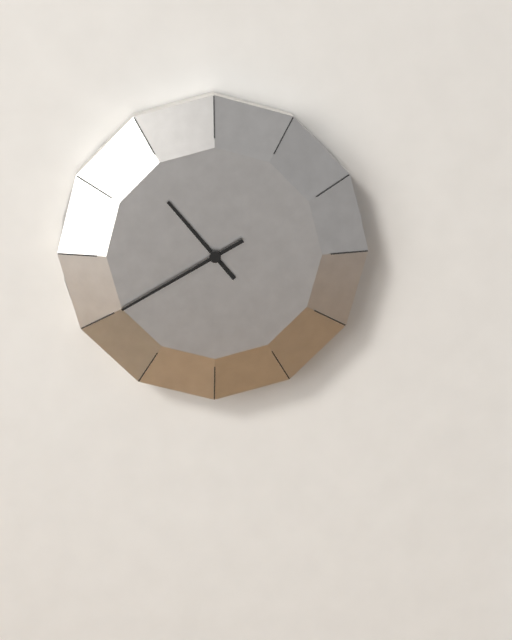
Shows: 10:40
